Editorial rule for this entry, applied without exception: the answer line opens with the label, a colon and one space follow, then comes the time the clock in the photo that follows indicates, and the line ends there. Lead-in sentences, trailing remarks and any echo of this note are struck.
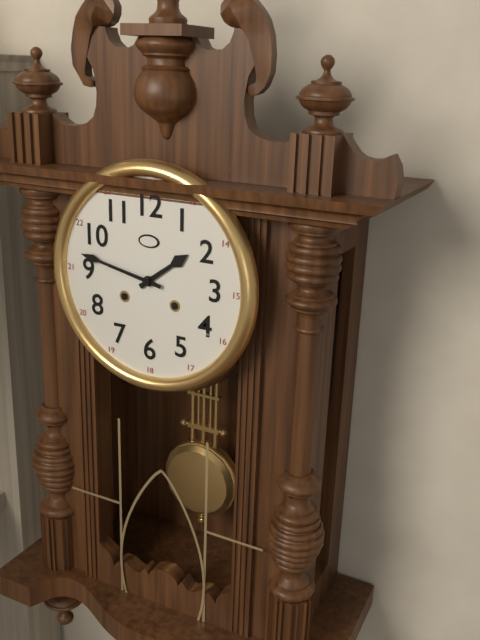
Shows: 1:47
